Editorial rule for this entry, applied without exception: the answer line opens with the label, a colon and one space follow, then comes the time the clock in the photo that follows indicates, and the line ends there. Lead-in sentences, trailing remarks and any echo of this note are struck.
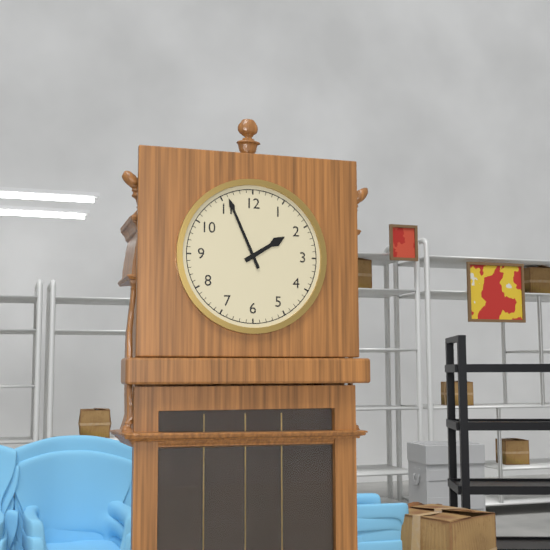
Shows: 1:56
